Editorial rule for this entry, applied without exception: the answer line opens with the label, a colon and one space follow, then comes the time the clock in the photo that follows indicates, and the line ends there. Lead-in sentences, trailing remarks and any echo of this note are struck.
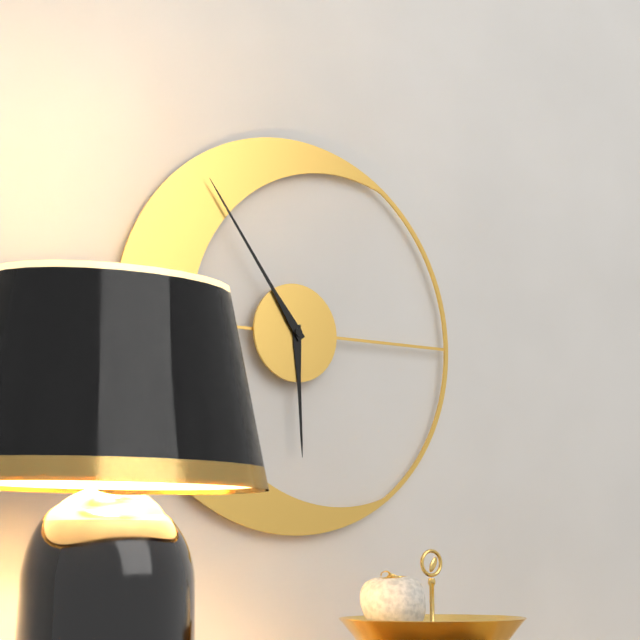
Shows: 5:54
